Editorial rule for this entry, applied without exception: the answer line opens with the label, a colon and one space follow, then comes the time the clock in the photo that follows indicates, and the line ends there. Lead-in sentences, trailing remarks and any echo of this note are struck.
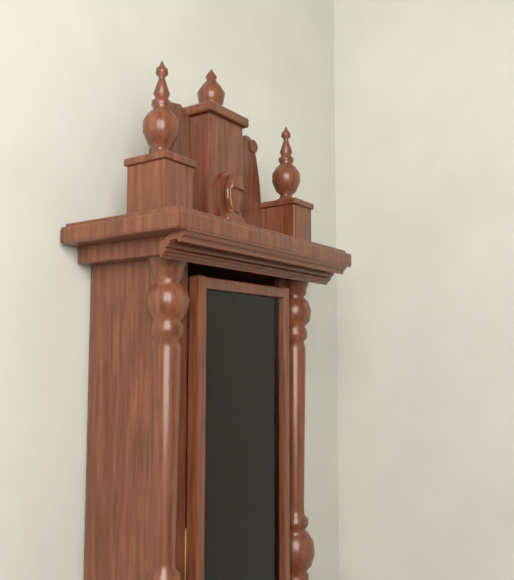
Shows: 4:43
